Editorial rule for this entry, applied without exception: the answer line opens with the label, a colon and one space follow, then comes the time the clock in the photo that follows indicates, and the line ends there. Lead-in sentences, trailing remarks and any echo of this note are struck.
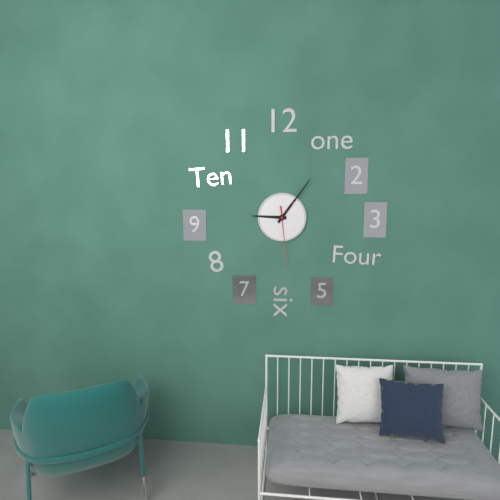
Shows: 9:06:29
